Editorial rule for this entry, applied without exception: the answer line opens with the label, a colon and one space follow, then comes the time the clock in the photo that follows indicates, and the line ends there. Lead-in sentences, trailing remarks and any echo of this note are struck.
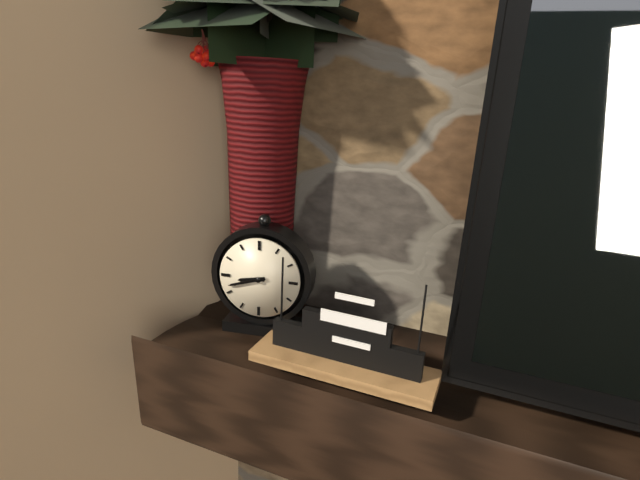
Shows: 8:42
